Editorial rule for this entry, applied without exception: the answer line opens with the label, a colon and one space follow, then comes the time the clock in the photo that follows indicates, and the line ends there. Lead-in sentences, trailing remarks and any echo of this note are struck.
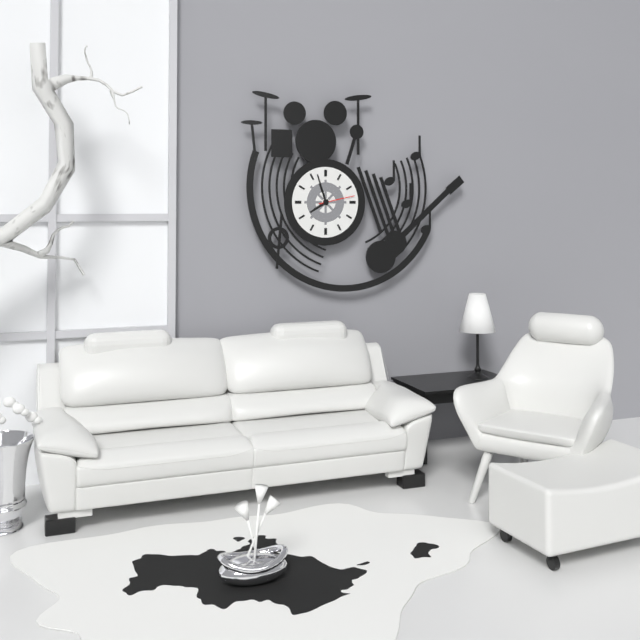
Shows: 7:57
